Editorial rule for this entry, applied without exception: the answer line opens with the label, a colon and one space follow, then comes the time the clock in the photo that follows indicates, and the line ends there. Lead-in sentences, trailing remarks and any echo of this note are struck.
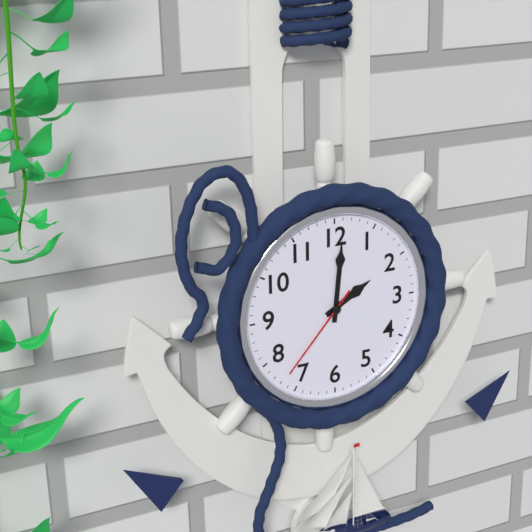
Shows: 2:01:37
